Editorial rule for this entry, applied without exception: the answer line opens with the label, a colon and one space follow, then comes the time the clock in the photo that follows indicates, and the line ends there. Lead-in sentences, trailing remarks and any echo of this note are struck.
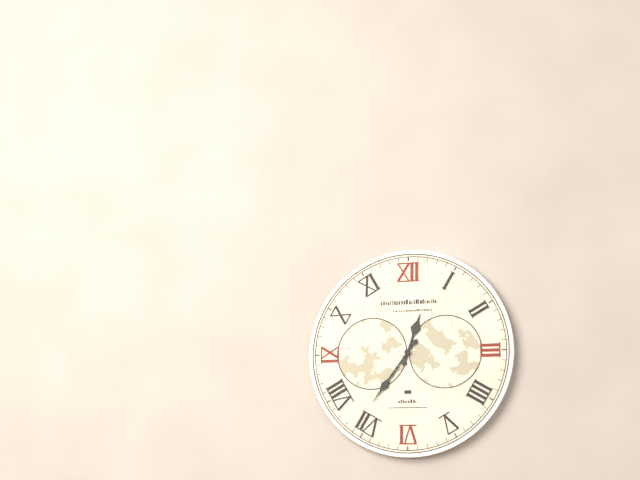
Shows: 12:36
